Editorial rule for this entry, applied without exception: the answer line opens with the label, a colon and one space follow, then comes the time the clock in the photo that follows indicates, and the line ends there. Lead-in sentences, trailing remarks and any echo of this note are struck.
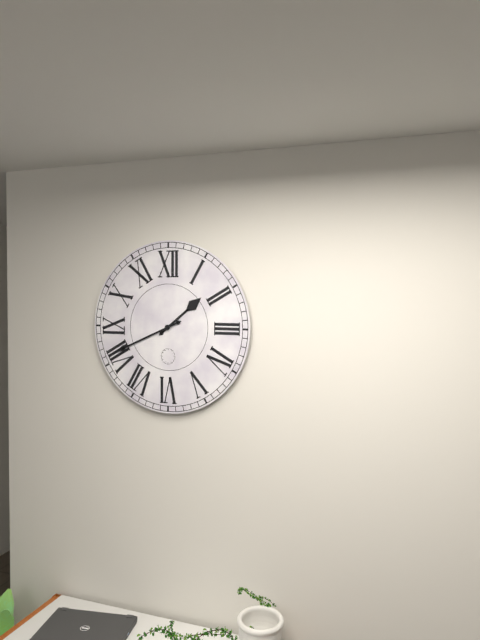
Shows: 1:41
